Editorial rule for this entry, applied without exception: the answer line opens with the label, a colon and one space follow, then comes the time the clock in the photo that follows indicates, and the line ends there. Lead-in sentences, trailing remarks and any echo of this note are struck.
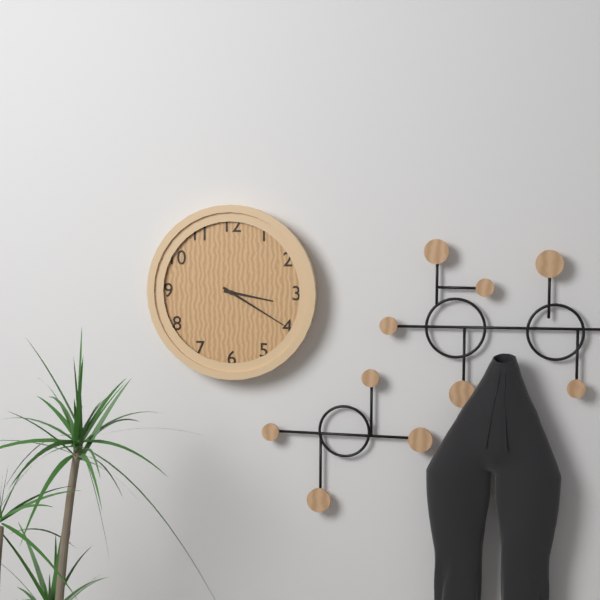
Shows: 3:20
